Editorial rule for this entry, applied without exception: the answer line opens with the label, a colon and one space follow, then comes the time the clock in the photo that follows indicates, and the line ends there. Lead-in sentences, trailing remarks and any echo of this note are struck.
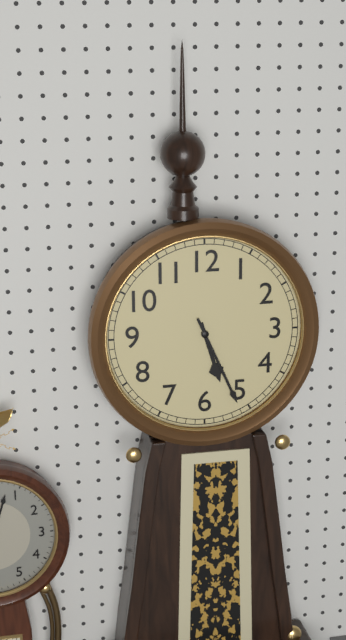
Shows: 5:26
